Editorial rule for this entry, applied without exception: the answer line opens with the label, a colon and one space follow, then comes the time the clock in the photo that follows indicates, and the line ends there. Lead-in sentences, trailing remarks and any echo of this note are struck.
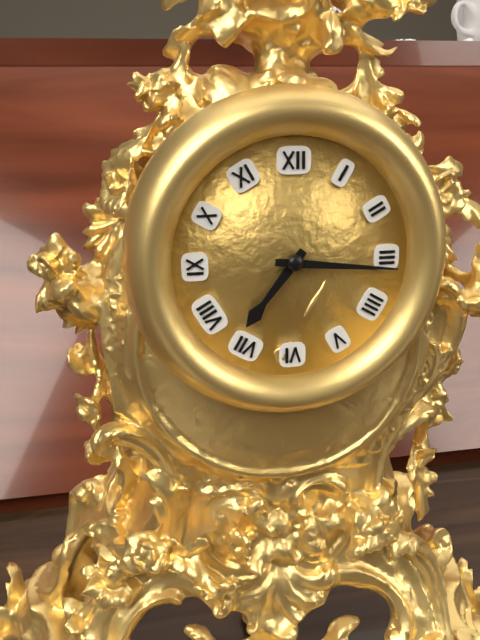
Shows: 7:16
